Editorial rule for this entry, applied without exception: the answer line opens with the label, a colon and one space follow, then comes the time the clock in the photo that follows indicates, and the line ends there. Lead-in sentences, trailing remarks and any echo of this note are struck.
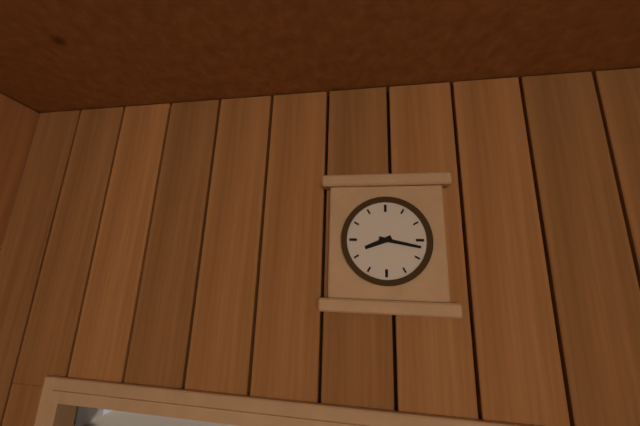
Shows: 8:17
